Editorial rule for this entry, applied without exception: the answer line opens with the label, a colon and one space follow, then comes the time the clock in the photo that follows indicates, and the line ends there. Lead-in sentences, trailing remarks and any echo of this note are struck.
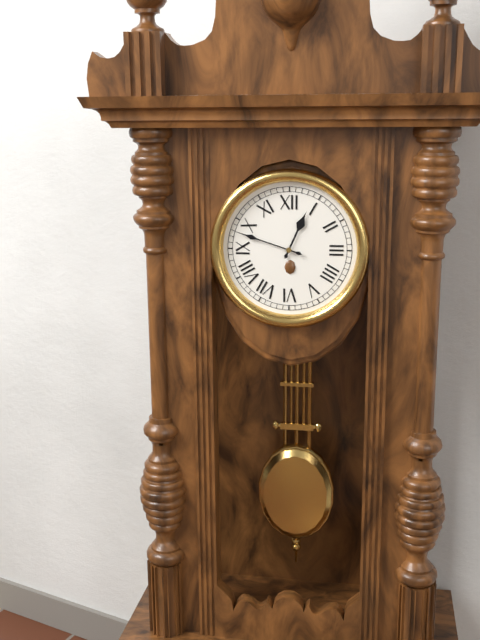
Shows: 12:48
